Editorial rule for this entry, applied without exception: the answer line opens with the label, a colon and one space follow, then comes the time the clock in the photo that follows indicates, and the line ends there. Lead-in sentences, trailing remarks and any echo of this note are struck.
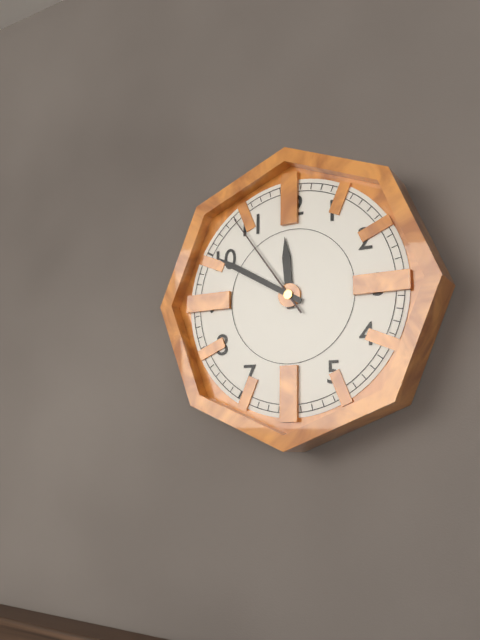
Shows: 11:50:54
